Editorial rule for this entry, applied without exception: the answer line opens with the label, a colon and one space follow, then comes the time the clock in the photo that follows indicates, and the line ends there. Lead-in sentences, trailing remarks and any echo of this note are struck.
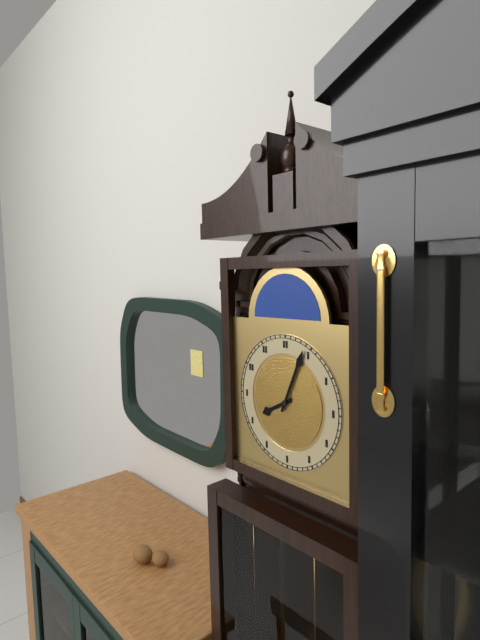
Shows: 8:04
